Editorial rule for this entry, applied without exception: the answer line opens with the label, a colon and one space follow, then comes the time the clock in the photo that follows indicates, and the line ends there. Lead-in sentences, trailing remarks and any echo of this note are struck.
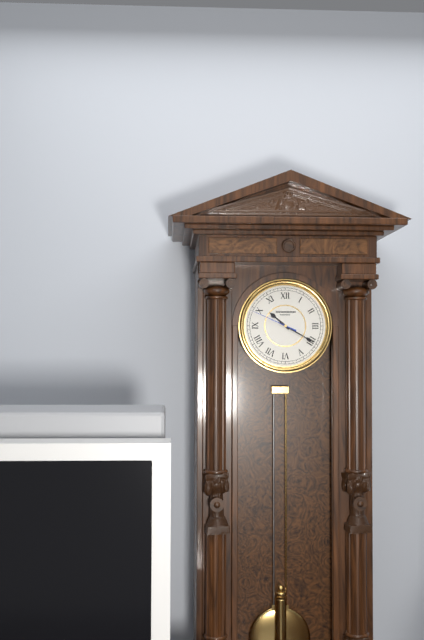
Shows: 10:20
